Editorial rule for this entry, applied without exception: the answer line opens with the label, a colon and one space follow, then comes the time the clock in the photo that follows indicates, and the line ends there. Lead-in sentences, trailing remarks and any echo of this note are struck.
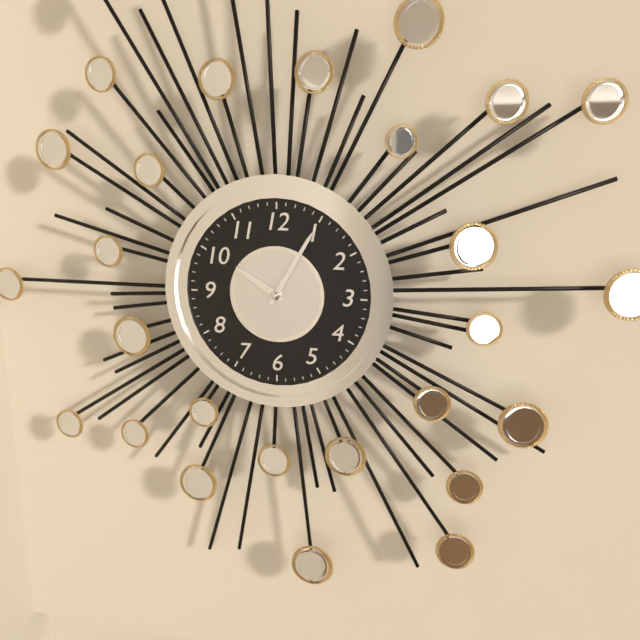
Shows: 10:05
